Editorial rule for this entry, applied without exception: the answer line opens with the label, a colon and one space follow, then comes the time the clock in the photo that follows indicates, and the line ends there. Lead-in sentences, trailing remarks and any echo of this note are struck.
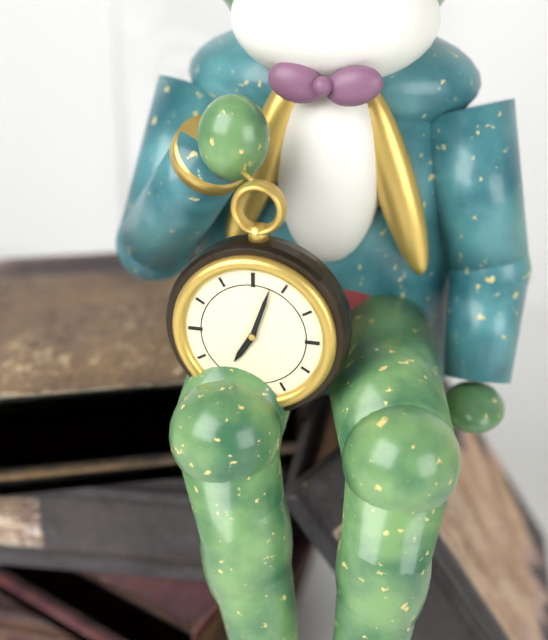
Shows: 7:03
